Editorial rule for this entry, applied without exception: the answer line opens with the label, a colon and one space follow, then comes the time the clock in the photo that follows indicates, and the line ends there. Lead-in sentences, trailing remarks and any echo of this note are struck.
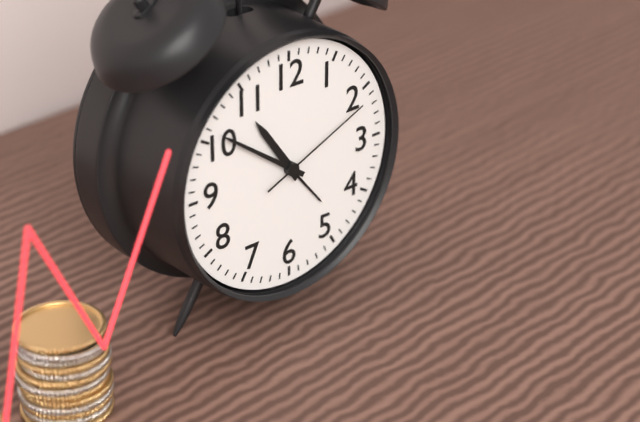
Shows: 10:51:11
